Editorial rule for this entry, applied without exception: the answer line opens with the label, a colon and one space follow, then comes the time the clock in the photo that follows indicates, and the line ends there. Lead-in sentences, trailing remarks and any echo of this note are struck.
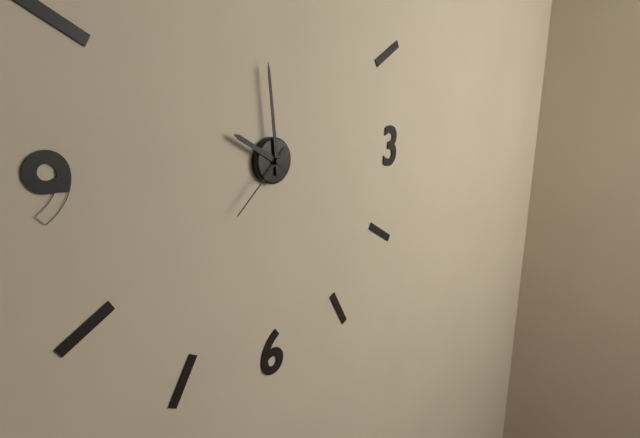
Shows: 9:59:38
